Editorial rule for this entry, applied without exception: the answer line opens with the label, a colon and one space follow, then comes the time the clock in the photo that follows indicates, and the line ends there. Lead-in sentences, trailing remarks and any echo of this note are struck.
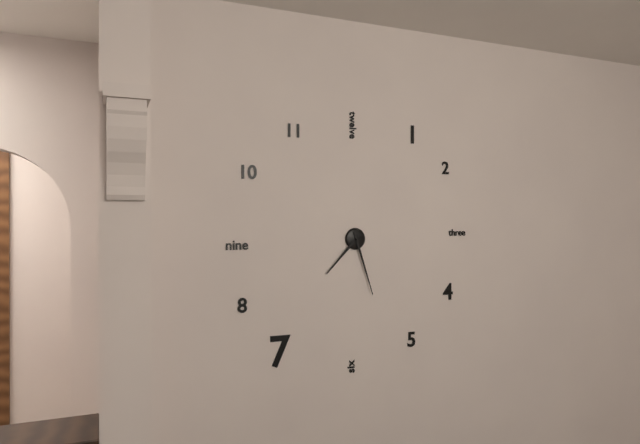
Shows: 7:27
